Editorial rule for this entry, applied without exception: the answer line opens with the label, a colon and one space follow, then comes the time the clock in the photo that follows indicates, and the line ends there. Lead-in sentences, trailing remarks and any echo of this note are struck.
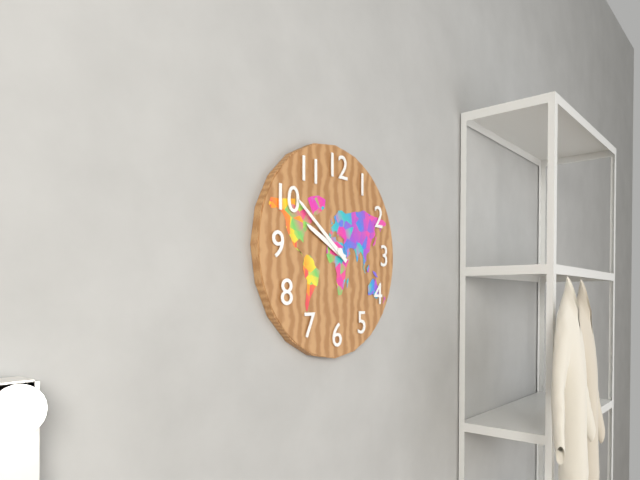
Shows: 9:51
